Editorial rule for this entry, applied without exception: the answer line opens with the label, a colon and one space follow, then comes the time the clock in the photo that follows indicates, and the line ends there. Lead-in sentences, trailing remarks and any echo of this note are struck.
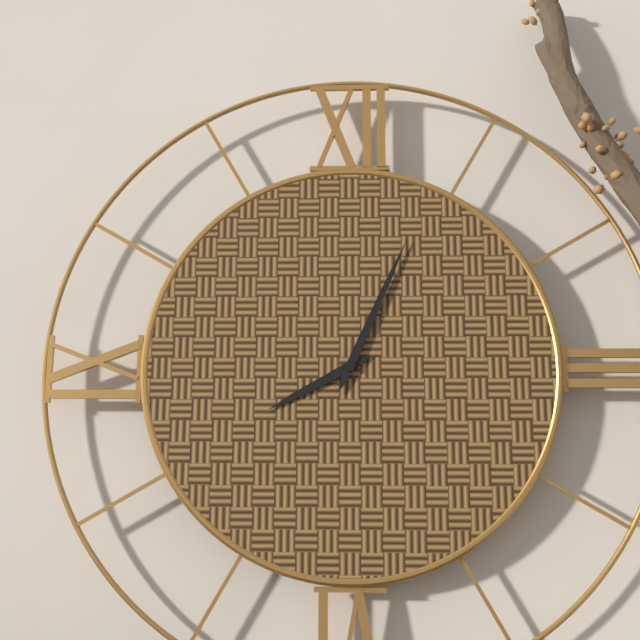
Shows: 8:04
